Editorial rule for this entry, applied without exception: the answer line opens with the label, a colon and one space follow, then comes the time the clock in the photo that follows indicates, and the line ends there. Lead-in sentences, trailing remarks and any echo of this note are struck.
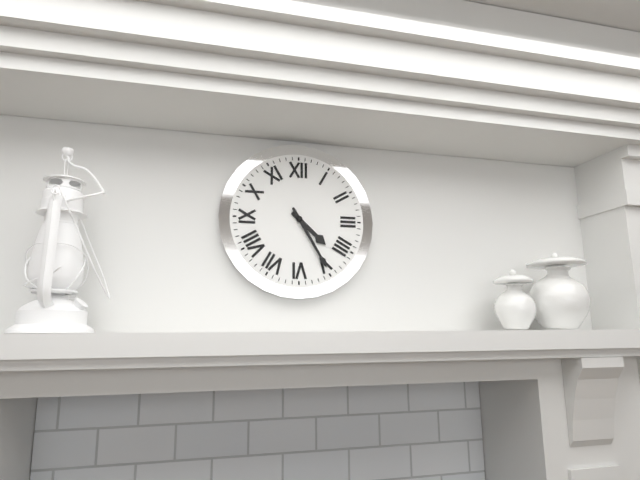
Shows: 4:25
